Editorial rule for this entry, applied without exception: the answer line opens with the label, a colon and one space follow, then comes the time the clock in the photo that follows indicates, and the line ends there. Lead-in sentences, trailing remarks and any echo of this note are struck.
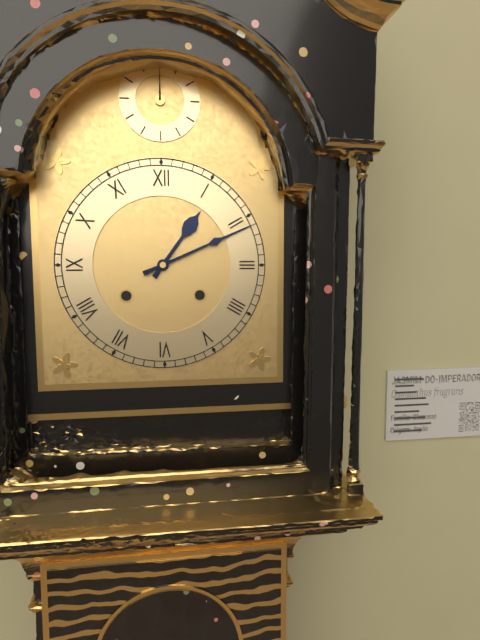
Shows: 1:11
